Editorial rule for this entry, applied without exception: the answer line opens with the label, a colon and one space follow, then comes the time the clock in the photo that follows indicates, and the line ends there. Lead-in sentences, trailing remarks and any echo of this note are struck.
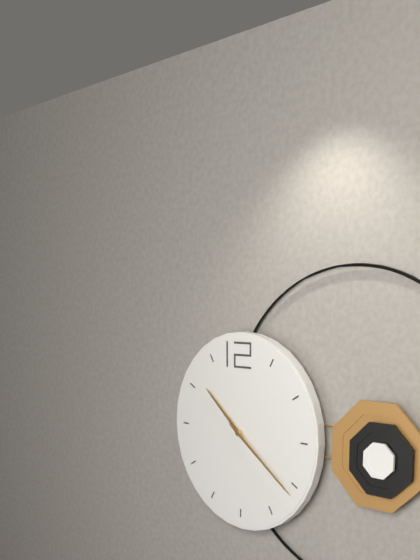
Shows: 10:21
